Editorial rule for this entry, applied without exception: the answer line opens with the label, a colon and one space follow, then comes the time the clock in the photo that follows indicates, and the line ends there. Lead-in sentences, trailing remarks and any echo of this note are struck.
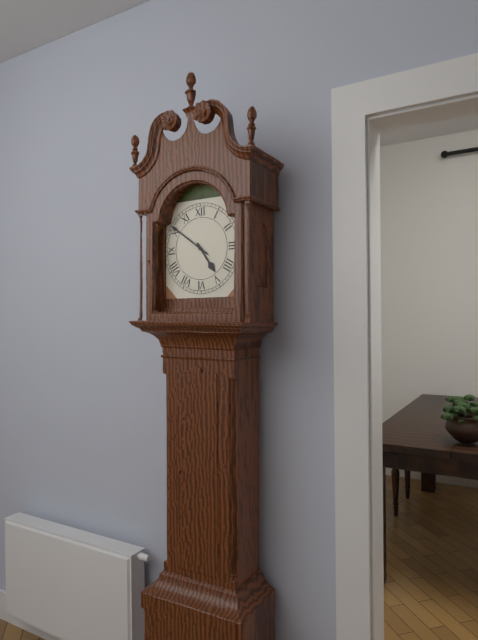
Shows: 4:51
